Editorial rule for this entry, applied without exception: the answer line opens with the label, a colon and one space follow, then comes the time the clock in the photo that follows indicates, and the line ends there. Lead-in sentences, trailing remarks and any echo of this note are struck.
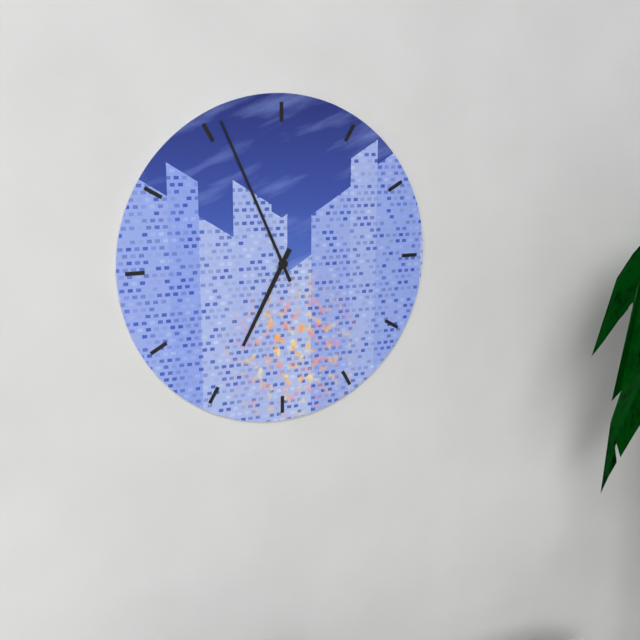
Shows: 6:56
